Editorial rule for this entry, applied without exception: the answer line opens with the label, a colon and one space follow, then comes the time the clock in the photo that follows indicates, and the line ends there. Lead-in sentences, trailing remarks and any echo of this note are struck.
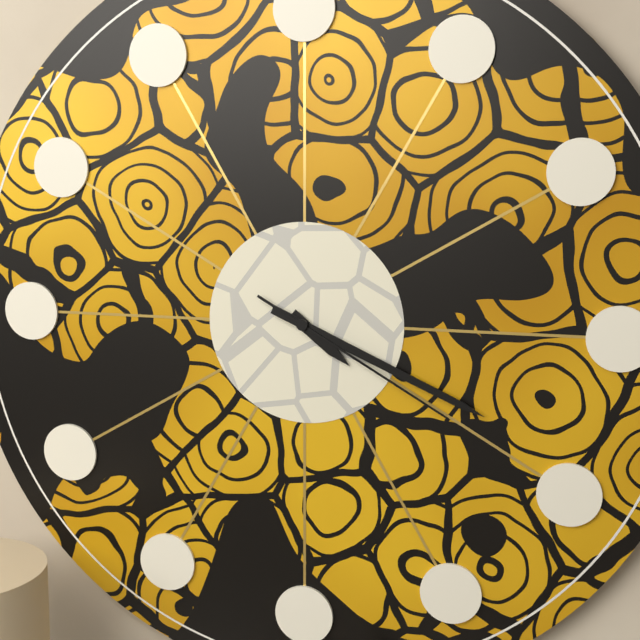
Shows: 4:19:20
